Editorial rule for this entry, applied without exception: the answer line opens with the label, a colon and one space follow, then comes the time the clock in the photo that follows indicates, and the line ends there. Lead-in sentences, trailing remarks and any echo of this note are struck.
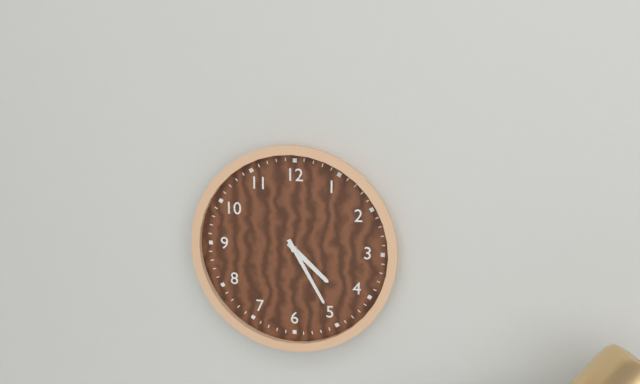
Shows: 4:25
